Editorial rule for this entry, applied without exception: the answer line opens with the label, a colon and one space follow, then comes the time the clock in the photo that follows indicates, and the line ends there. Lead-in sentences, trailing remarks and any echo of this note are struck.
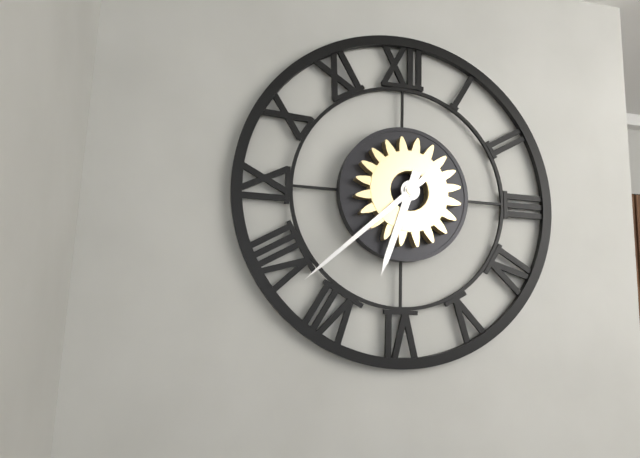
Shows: 6:38
